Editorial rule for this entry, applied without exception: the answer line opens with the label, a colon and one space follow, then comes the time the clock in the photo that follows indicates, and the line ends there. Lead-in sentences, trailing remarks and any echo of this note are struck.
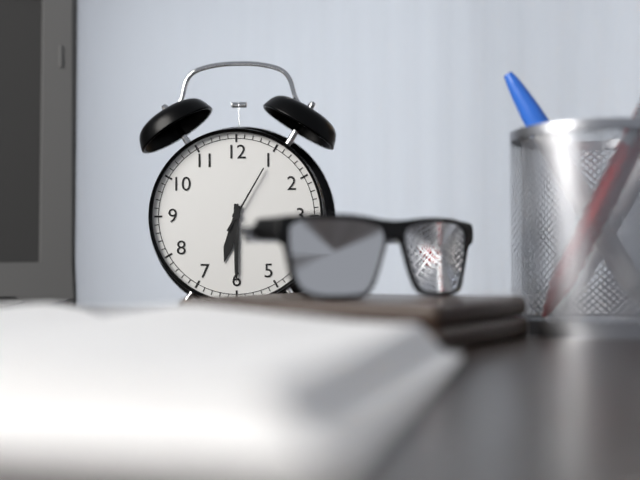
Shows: 6:30:05
